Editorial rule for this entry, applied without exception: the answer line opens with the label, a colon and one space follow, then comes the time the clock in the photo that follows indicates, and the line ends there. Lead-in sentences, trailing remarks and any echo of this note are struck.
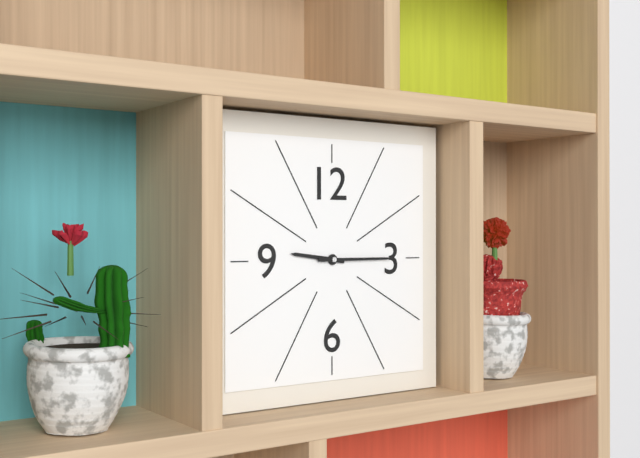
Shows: 9:15
